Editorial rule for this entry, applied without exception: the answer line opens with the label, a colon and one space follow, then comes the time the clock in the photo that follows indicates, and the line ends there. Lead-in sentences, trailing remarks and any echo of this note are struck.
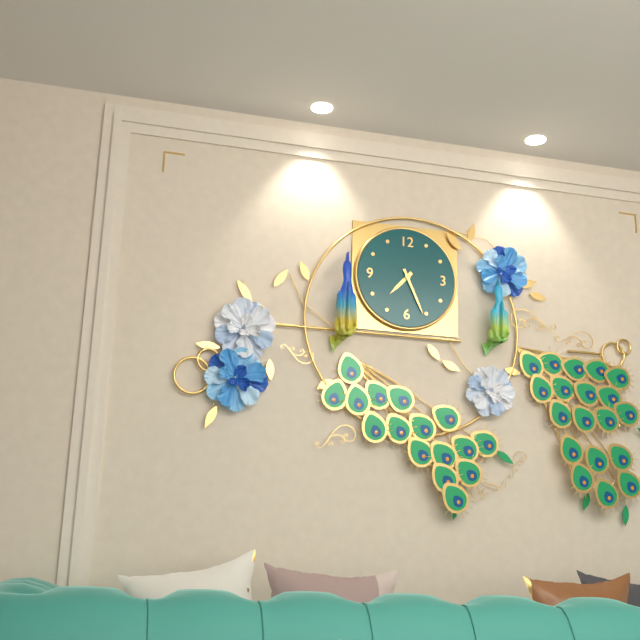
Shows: 7:26
